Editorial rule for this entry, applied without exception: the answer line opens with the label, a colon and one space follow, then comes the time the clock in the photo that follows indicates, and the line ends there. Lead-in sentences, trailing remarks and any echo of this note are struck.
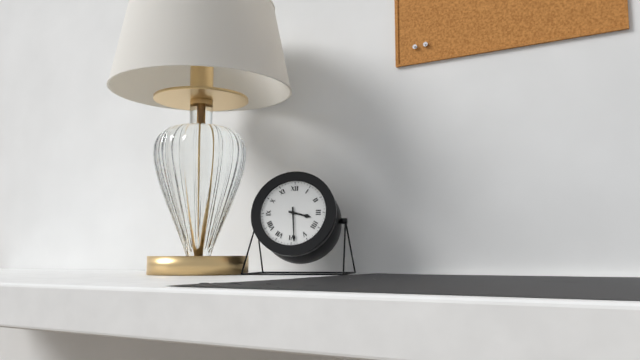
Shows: 3:29
